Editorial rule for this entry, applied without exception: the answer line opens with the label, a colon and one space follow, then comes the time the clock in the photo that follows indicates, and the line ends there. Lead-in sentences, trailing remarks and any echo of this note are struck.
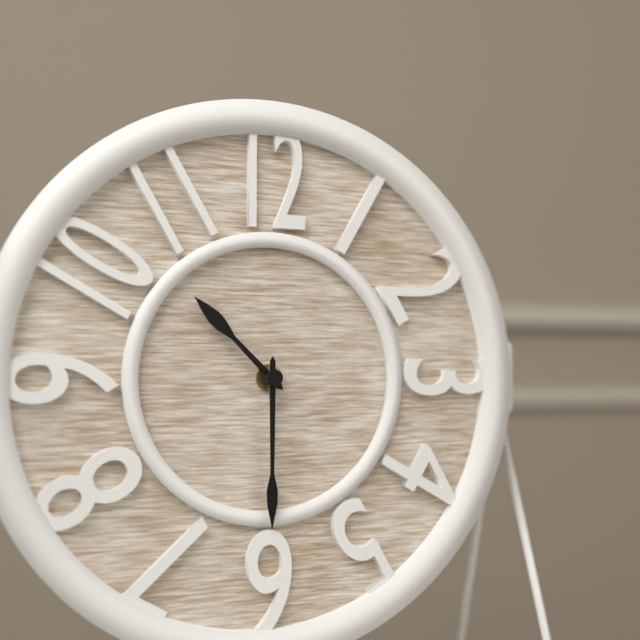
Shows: 10:30
